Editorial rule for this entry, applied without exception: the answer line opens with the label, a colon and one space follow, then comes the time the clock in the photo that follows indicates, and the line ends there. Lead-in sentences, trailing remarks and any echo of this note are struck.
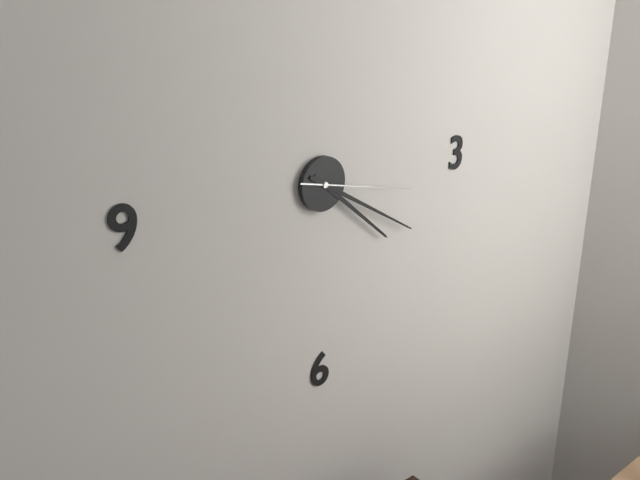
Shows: 4:20:17
